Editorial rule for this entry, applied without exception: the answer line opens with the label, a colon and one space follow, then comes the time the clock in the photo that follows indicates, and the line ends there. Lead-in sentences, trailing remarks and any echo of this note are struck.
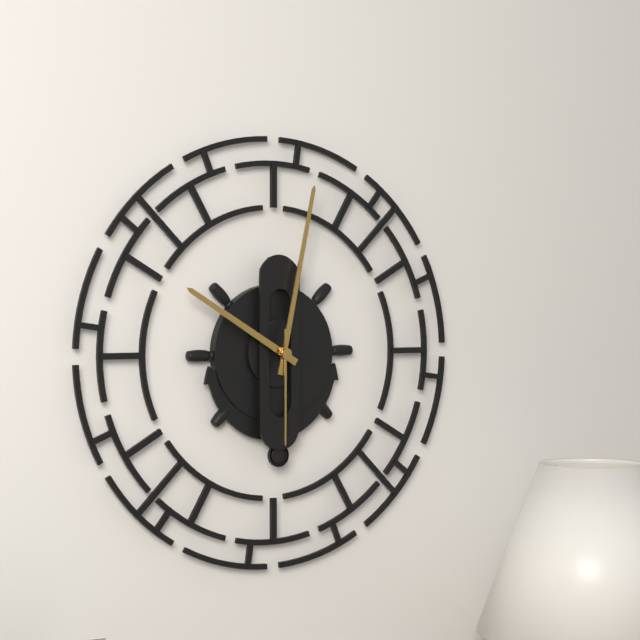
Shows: 10:02:30
